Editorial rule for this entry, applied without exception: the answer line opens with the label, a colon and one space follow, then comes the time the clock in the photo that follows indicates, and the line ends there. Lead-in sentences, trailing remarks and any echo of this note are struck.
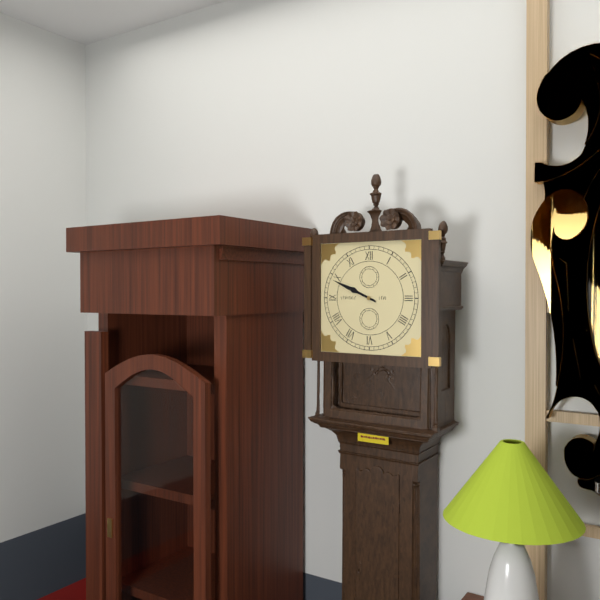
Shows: 9:49
